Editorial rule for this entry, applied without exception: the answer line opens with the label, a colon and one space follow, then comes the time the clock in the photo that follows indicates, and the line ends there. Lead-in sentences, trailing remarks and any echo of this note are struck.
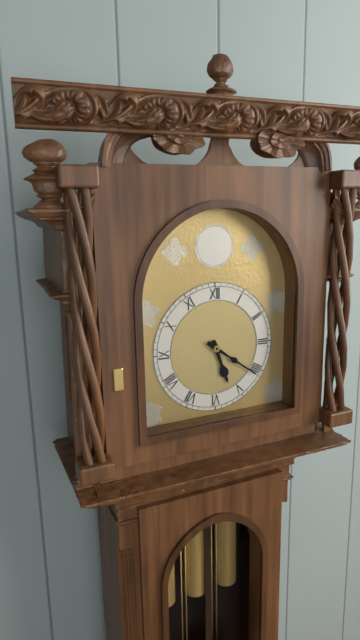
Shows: 5:21
